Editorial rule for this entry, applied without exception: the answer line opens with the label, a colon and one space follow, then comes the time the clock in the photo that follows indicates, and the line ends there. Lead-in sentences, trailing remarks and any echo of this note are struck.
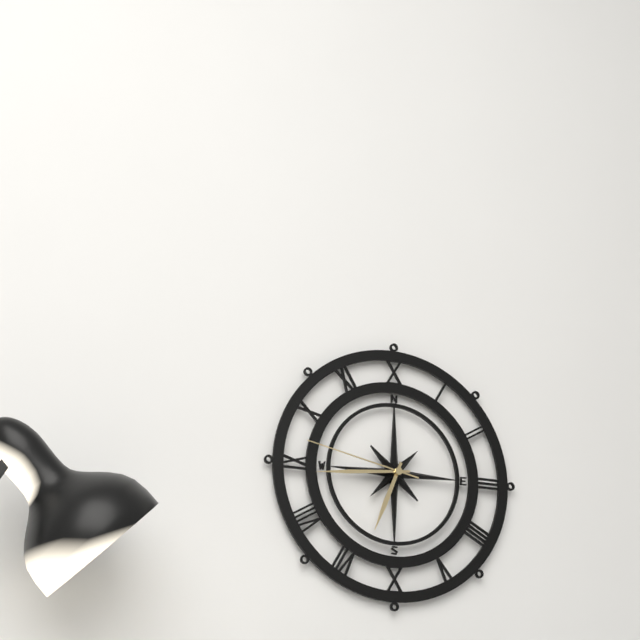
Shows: 6:44:47
